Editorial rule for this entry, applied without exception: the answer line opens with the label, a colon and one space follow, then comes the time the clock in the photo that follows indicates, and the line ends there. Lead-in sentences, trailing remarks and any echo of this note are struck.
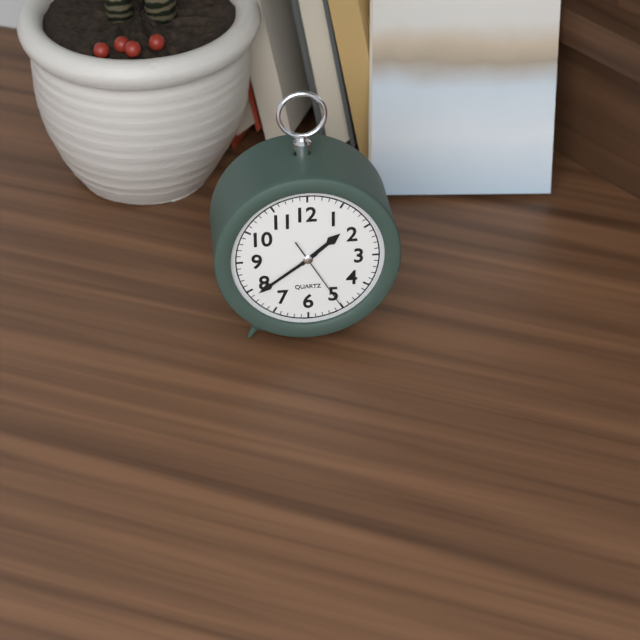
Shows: 1:39:25
